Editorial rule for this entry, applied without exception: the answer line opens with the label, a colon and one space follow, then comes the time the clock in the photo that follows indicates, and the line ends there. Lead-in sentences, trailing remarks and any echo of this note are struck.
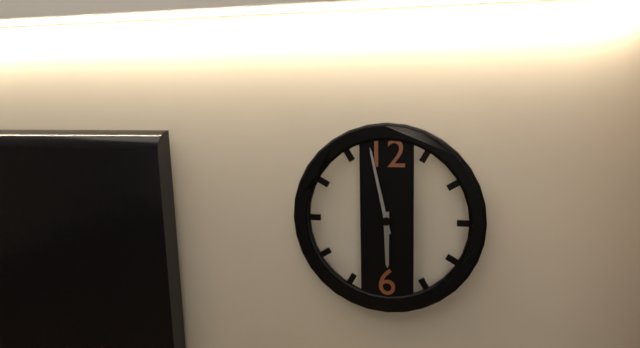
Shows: 5:58
